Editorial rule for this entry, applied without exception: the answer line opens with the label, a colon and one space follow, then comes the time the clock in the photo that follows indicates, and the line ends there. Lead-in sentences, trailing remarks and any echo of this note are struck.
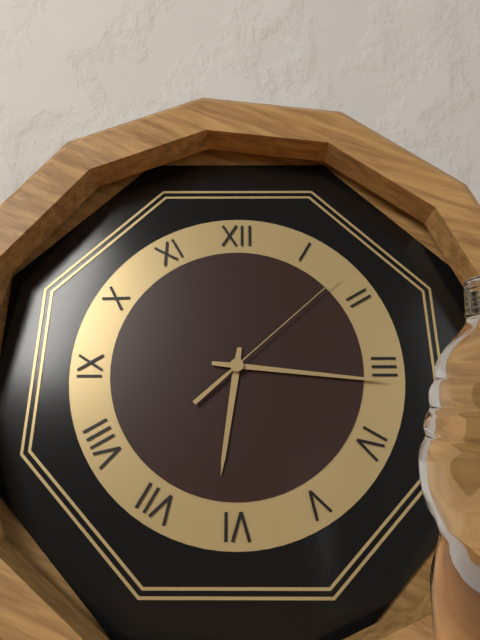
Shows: 6:16:08
